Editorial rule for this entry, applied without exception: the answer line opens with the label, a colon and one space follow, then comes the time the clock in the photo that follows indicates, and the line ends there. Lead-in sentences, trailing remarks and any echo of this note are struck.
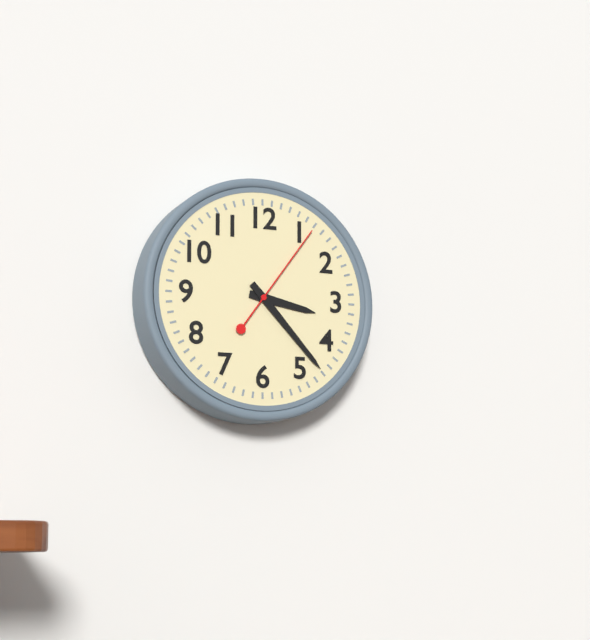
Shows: 3:23:06
